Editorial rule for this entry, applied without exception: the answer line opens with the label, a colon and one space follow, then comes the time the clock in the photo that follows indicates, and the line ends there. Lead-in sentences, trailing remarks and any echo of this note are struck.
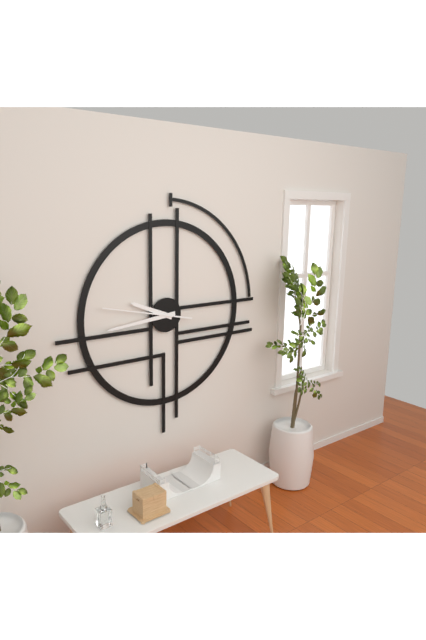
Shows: 9:44:47
